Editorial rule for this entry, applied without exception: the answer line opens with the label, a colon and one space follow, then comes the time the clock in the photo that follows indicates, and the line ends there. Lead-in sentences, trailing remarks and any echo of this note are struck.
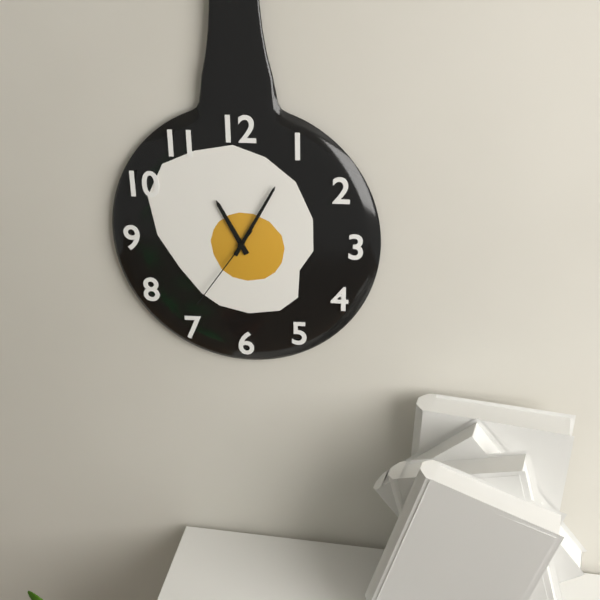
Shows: 11:05:36
